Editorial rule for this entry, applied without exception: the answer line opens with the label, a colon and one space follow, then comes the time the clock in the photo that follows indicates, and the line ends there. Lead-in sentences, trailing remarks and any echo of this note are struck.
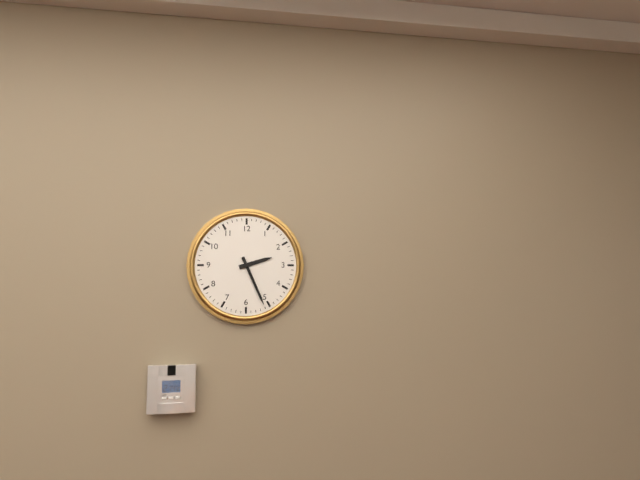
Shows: 2:26
